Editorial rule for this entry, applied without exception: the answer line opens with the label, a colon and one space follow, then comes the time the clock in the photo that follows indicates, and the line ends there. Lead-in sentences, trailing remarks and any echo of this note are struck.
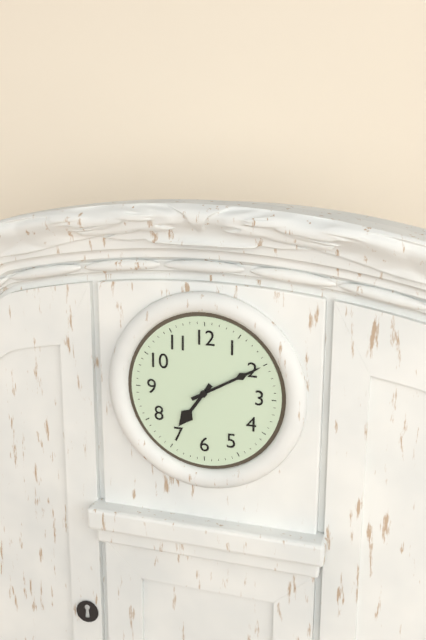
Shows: 7:10
